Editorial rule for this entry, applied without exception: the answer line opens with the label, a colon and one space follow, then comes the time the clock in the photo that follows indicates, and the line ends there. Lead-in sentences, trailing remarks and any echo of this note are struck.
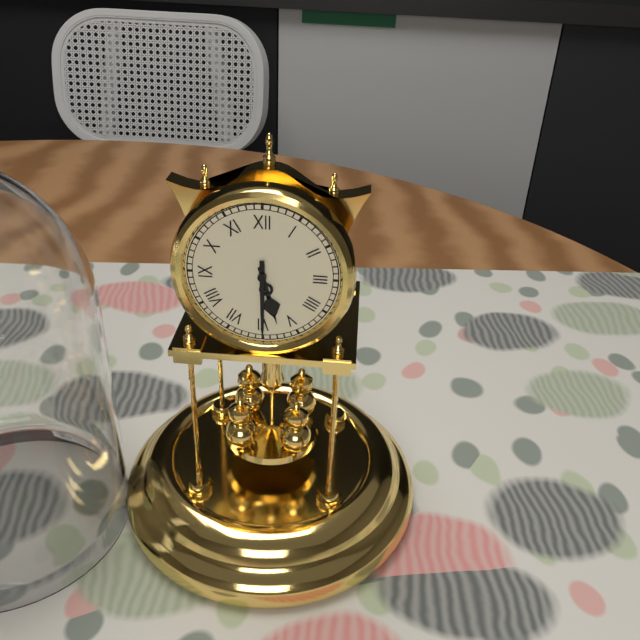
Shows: 5:30
